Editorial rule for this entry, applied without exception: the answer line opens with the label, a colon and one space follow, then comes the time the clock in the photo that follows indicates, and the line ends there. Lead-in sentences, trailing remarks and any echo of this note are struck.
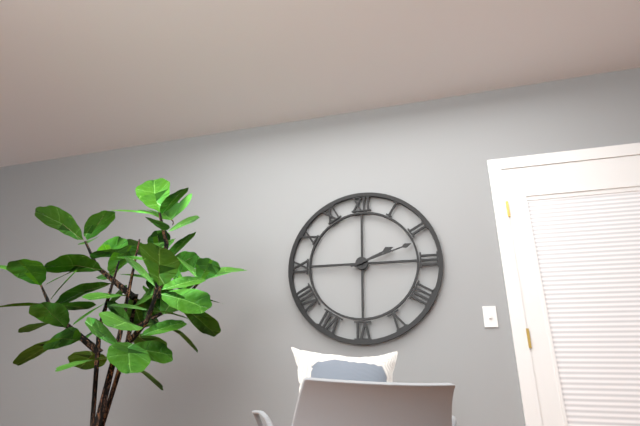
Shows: 2:12
